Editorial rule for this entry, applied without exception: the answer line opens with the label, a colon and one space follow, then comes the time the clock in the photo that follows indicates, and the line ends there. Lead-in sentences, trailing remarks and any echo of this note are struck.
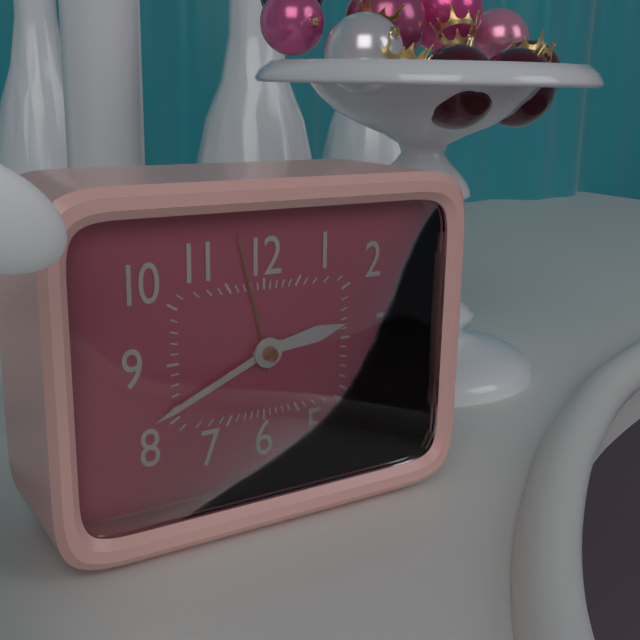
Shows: 2:41
